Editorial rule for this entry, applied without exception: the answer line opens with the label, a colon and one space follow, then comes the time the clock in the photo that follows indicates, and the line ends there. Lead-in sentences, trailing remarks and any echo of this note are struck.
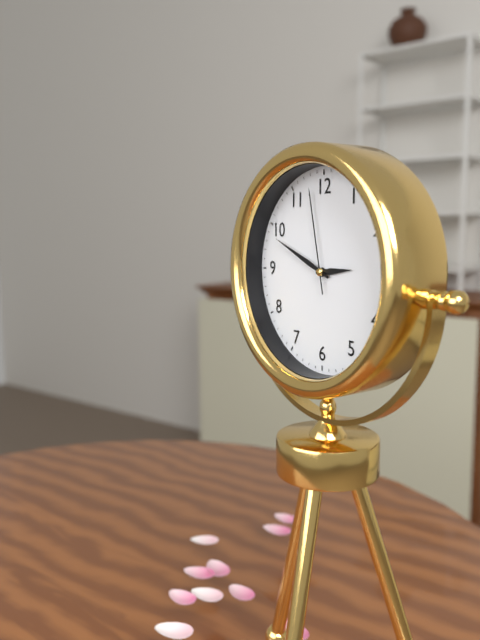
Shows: 2:49:58
